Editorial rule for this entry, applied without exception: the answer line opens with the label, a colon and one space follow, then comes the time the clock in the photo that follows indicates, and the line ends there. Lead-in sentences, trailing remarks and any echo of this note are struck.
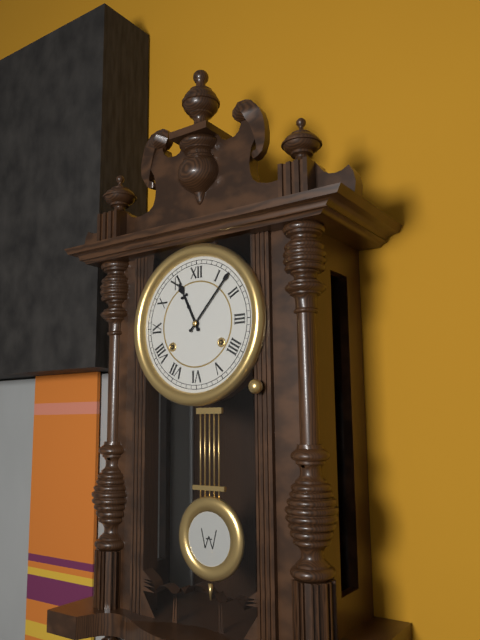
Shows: 11:07
